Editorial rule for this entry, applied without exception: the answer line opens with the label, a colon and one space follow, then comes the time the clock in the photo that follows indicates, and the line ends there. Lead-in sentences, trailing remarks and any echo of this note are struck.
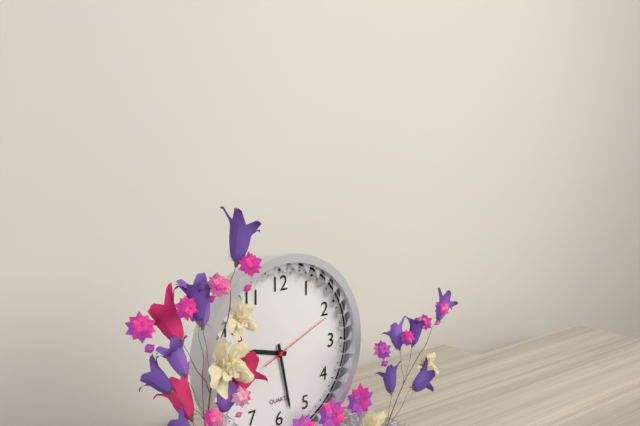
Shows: 9:28:11
